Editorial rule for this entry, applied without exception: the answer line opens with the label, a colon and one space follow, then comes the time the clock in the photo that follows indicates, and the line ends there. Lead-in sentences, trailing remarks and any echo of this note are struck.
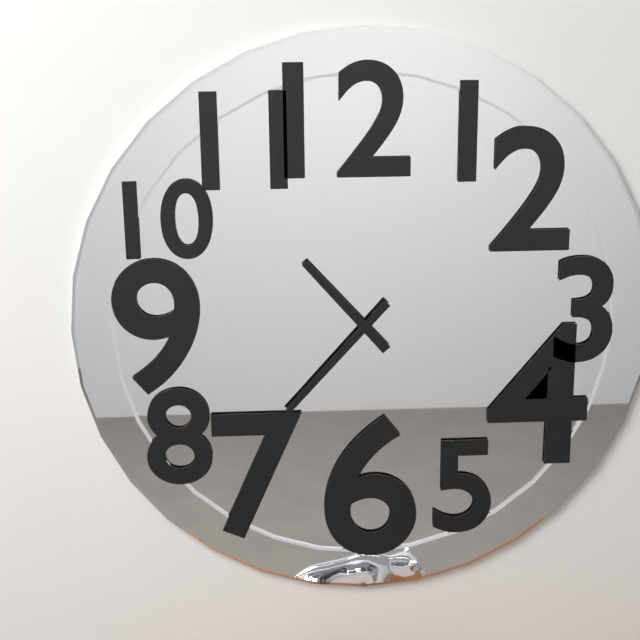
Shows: 10:37
